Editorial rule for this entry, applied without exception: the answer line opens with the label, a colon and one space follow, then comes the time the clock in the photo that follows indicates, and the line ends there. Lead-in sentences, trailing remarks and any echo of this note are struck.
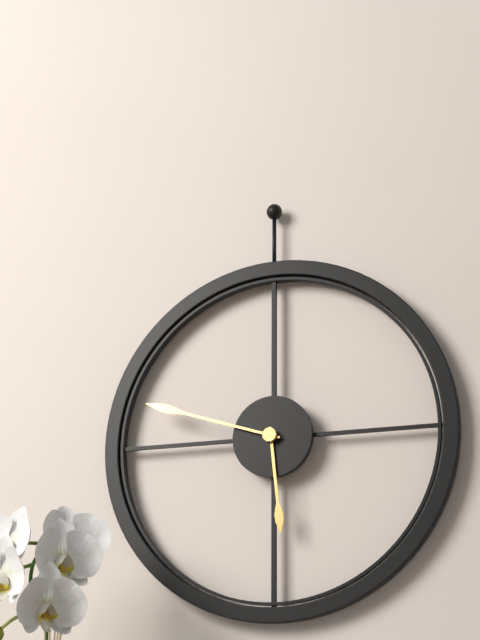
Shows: 5:48
